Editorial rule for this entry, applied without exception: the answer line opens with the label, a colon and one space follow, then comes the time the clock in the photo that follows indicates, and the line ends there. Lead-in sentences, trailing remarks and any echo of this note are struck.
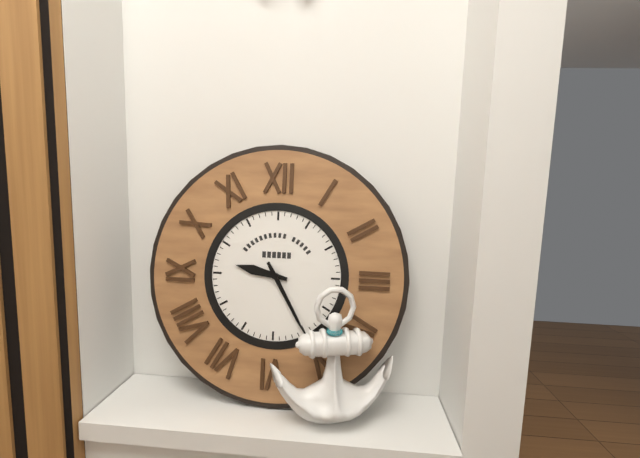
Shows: 9:25
